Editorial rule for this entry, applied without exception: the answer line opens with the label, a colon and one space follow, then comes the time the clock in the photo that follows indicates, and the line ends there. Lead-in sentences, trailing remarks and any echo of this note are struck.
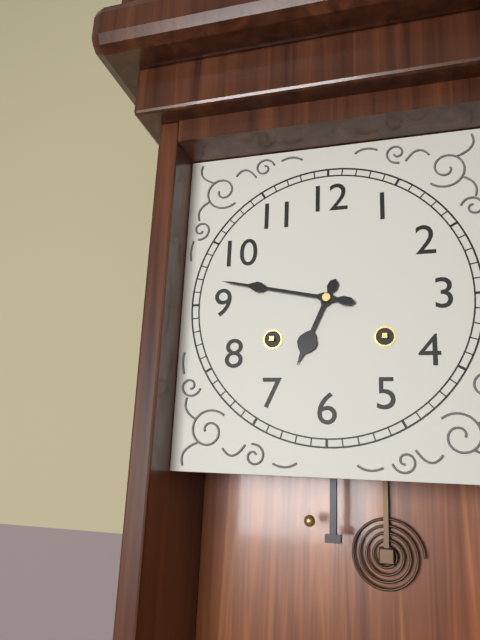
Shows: 6:47
